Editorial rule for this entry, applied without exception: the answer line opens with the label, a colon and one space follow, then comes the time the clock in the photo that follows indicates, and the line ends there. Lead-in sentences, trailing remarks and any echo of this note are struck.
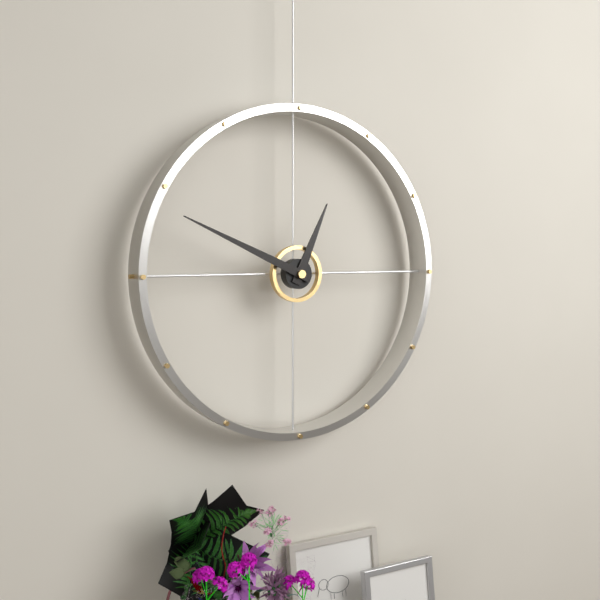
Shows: 12:49
